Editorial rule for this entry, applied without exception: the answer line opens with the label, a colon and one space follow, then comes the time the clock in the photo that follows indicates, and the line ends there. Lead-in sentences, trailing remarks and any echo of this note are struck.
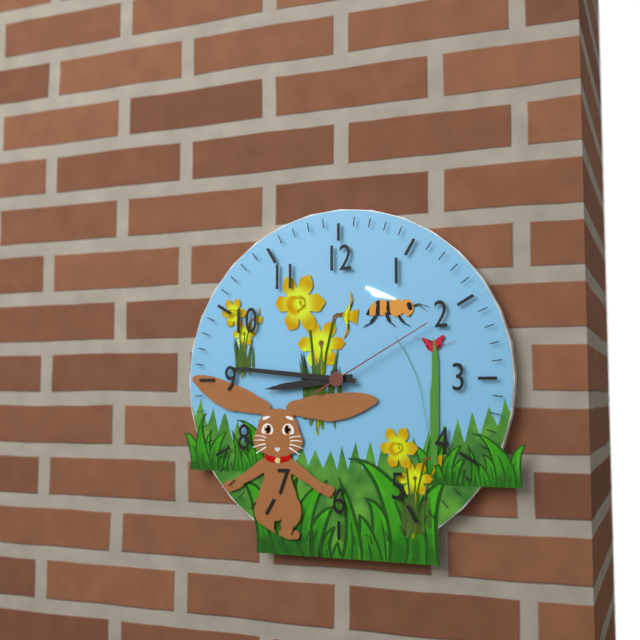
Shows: 8:46:10
